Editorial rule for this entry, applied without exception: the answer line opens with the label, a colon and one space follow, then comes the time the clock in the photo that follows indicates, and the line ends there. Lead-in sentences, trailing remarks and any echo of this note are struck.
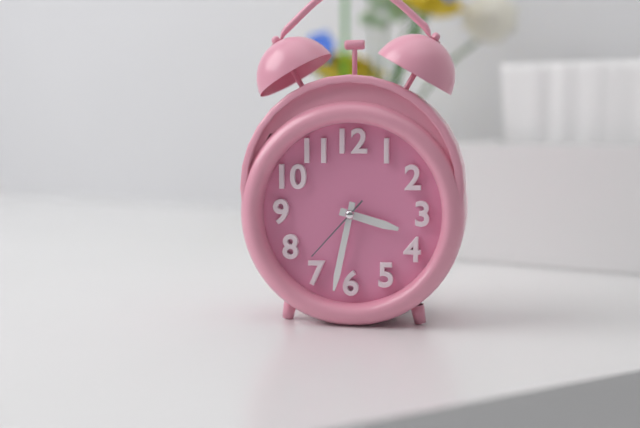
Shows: 3:32:37
